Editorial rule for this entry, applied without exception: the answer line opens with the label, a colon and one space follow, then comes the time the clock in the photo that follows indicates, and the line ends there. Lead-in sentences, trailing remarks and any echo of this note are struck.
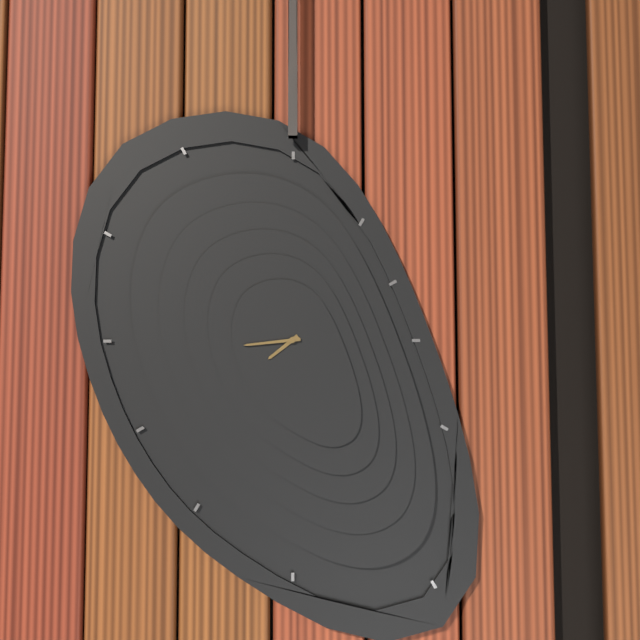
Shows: 7:44
